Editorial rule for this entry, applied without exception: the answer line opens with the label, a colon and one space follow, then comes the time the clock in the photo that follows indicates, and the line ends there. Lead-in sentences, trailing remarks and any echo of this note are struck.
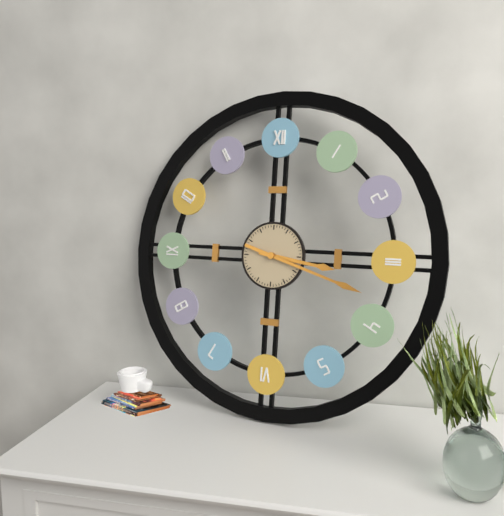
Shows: 3:18
